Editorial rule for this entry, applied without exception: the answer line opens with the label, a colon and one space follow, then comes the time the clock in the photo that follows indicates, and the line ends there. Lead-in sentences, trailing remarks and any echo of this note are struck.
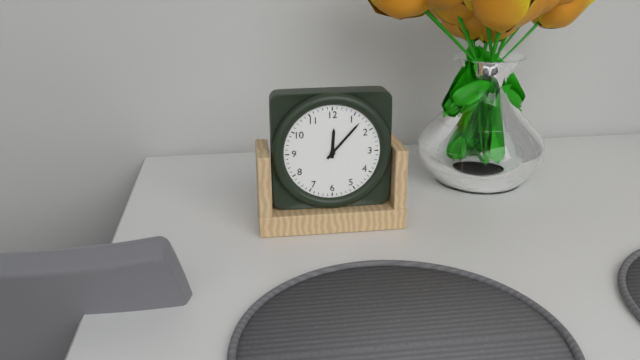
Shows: 12:07
